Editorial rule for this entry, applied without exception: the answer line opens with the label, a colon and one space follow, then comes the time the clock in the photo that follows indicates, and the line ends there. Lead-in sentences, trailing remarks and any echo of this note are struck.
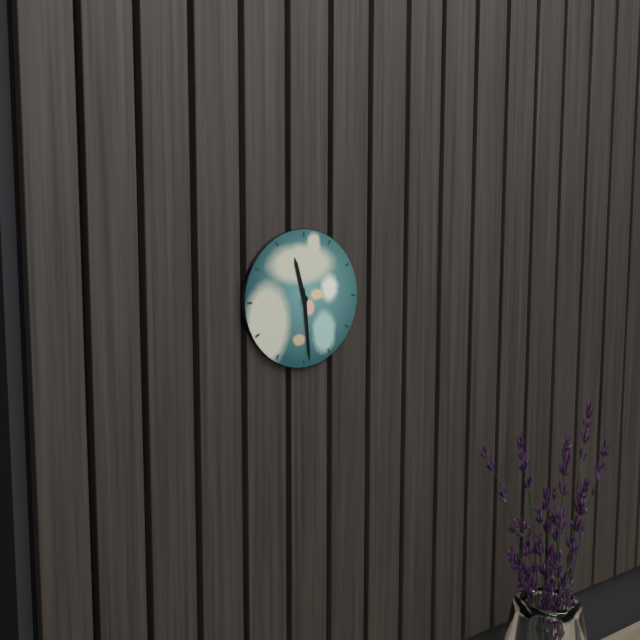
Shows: 11:29
